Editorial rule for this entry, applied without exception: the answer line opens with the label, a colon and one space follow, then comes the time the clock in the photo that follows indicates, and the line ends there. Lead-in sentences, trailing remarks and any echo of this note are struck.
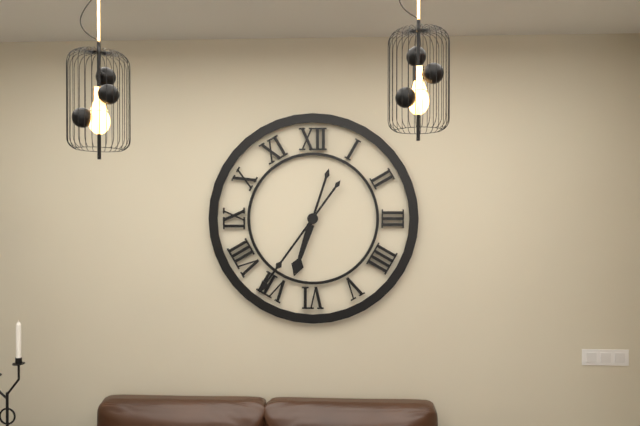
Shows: 6:36
